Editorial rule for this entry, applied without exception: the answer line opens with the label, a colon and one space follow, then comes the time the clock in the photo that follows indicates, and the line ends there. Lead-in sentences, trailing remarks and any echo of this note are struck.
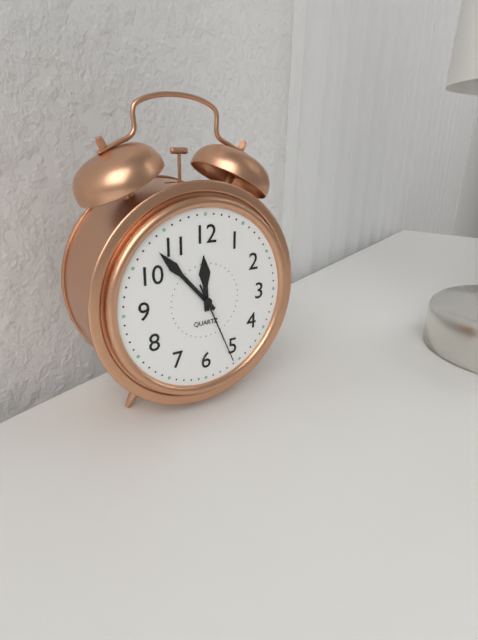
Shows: 11:53:26
